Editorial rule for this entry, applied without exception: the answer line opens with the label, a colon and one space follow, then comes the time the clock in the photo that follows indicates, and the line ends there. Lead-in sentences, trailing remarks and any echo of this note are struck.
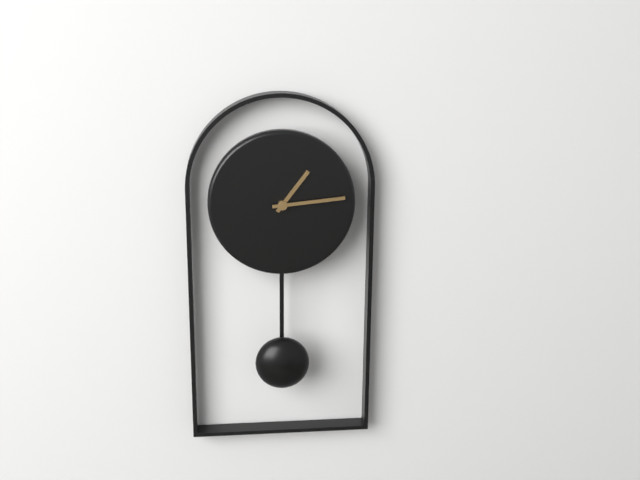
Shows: 1:14
